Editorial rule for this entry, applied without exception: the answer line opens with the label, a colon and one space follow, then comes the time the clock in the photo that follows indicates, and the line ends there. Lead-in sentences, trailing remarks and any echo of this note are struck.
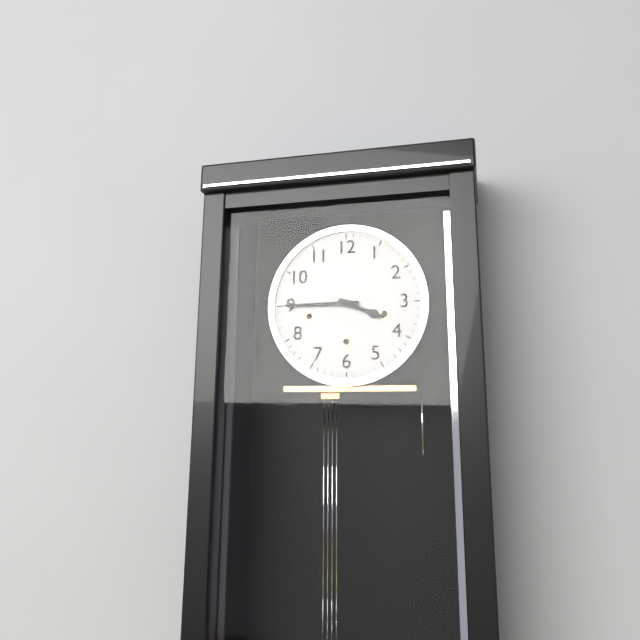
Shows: 3:45
